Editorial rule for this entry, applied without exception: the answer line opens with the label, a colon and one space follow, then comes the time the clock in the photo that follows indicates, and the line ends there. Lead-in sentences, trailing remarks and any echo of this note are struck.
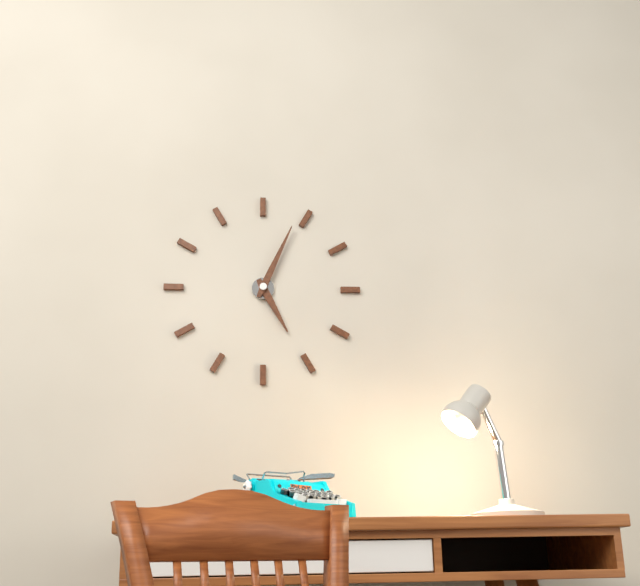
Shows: 5:04
